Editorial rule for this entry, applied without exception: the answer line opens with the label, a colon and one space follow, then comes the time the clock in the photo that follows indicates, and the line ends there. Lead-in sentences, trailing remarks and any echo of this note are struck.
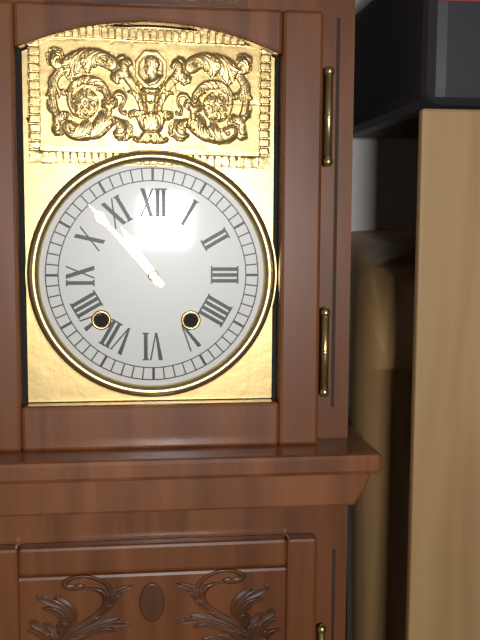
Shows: 10:53
